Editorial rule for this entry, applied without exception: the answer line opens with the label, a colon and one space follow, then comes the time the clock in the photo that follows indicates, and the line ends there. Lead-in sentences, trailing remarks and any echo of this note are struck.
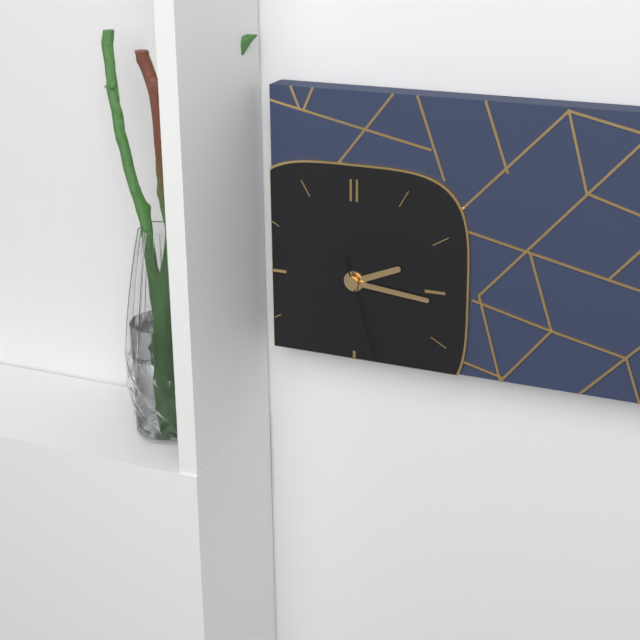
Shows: 2:16:27
